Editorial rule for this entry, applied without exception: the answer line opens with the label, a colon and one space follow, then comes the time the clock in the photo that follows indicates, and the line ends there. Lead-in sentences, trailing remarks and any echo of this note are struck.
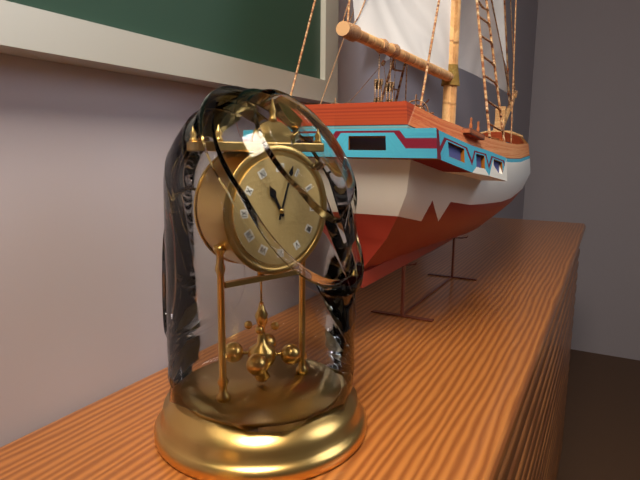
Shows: 11:03
